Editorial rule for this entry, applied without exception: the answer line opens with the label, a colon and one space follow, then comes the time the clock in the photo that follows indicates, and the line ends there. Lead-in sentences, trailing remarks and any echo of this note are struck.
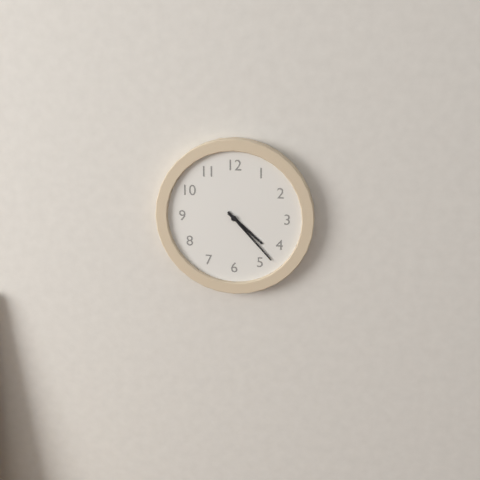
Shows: 4:23
